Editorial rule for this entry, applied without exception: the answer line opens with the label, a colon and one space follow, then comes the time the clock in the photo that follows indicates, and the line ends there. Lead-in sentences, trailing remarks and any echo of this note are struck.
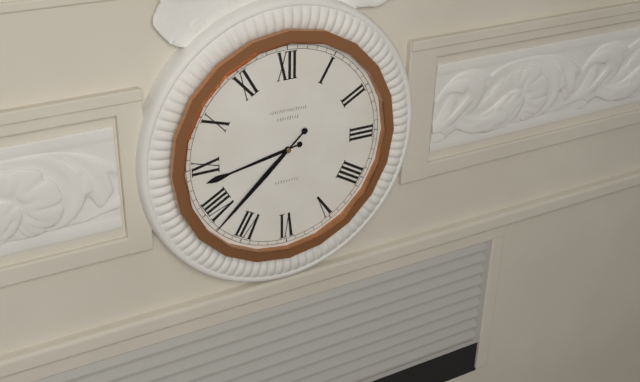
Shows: 8:38
